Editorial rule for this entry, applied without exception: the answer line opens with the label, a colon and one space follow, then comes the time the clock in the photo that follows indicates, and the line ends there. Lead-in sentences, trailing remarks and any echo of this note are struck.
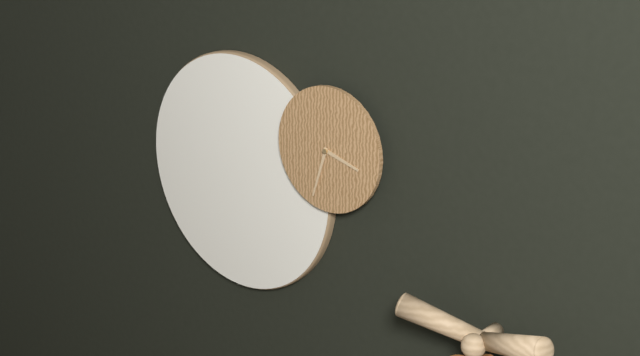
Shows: 3:33
